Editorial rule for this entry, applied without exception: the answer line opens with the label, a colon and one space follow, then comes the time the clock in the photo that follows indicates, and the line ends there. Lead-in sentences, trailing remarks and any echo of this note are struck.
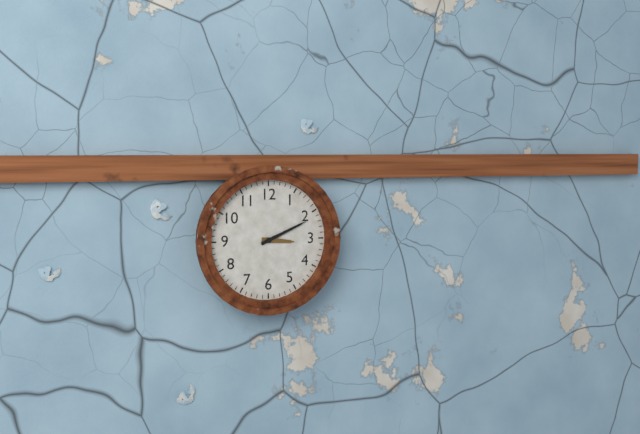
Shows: 3:11
